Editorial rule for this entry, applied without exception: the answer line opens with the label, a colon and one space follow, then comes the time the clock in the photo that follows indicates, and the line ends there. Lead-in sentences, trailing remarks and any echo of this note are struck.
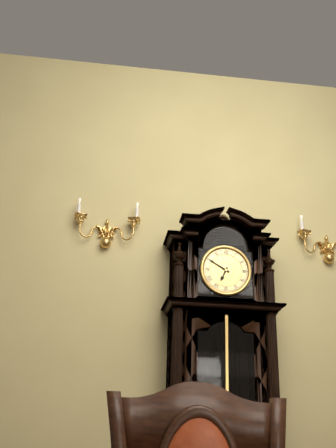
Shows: 6:50
